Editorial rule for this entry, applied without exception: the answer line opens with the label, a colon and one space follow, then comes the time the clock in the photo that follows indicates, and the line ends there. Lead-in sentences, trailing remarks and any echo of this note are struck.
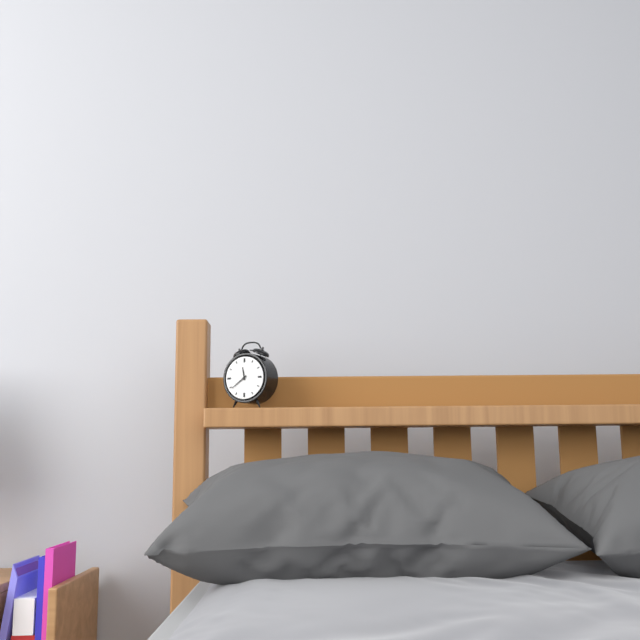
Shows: 11:39
